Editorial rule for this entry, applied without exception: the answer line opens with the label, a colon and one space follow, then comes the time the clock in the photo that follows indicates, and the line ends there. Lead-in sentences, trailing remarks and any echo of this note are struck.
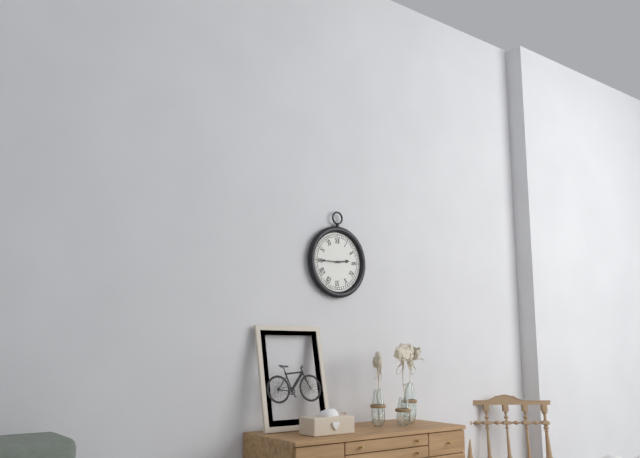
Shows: 2:45
